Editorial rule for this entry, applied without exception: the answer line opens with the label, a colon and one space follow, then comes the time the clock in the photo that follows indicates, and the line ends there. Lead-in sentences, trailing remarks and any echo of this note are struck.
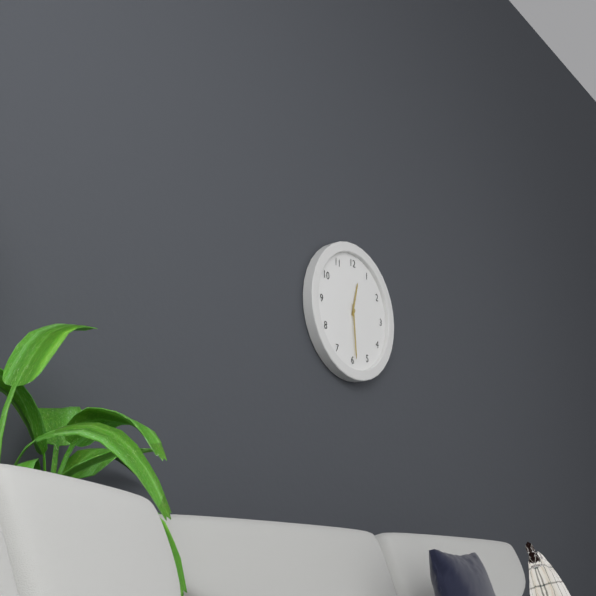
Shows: 12:29
